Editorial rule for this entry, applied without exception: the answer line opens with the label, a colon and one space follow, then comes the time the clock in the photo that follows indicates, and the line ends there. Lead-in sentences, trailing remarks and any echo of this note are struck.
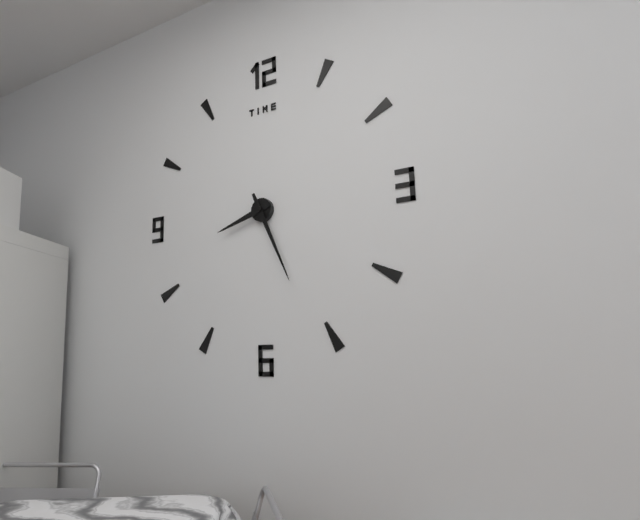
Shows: 8:26
